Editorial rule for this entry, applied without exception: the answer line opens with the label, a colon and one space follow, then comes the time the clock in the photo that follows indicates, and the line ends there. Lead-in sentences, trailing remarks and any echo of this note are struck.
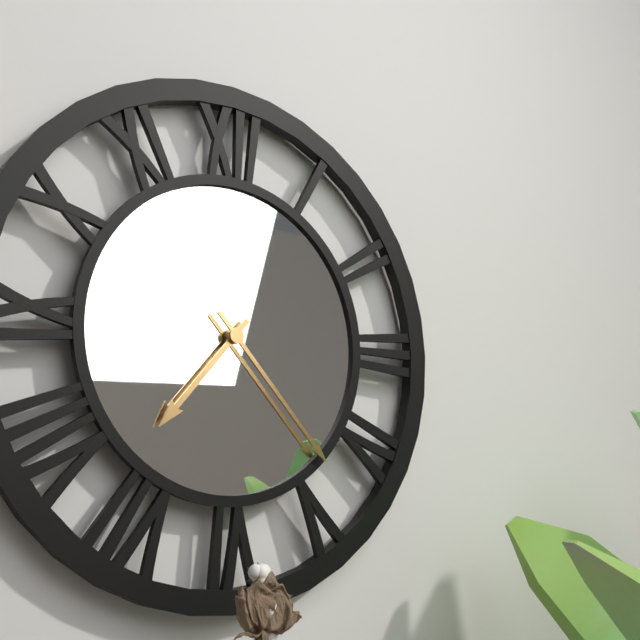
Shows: 7:23
